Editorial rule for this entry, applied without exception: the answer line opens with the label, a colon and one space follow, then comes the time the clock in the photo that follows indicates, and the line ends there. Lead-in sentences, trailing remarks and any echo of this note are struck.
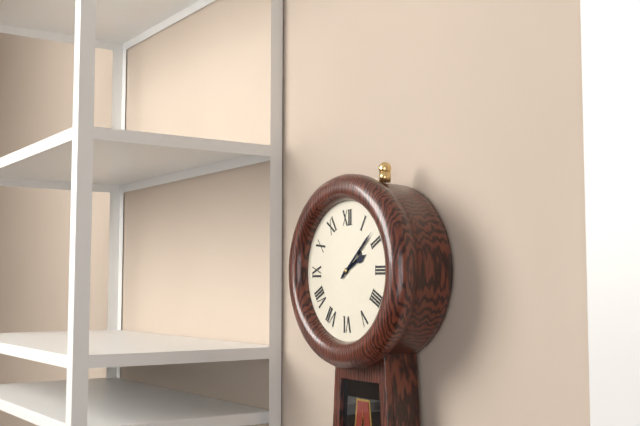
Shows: 2:08
